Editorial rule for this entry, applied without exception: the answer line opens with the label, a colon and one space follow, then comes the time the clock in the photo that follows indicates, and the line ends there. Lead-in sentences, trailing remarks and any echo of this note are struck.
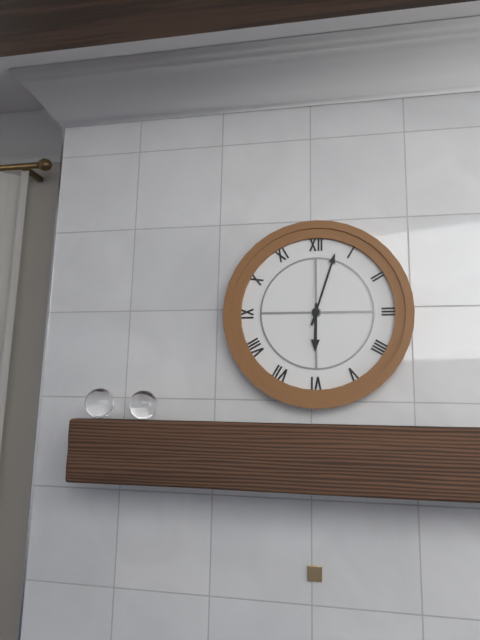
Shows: 6:03
